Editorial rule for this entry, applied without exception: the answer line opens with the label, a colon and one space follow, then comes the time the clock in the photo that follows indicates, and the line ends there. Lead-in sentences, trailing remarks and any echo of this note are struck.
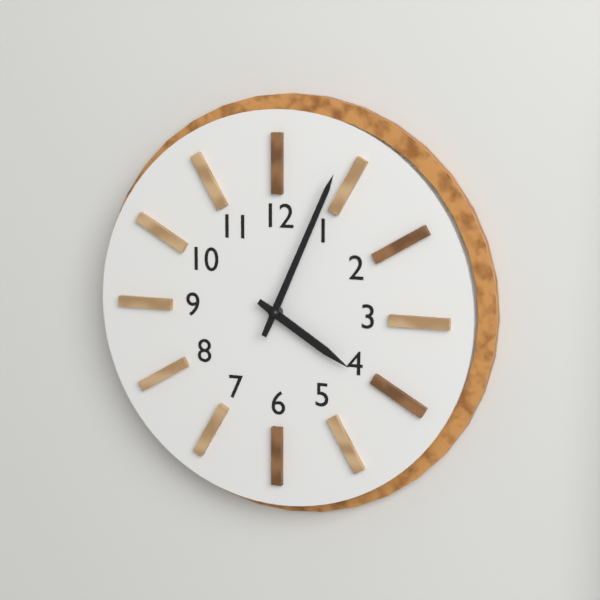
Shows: 4:04
